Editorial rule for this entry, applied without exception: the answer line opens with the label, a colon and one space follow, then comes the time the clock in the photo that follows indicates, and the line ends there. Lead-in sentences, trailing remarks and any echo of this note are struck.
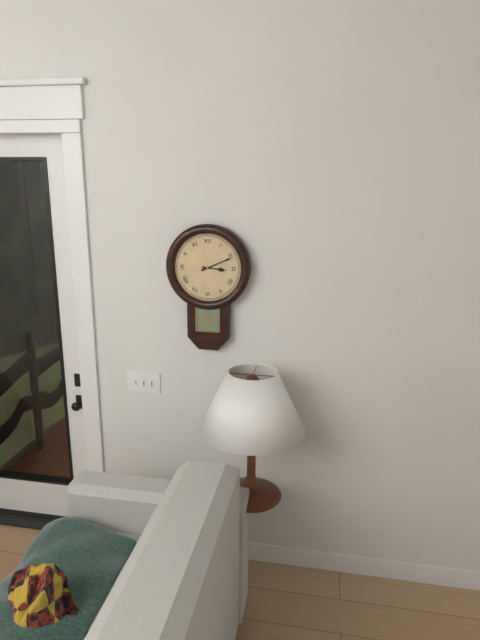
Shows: 3:11
